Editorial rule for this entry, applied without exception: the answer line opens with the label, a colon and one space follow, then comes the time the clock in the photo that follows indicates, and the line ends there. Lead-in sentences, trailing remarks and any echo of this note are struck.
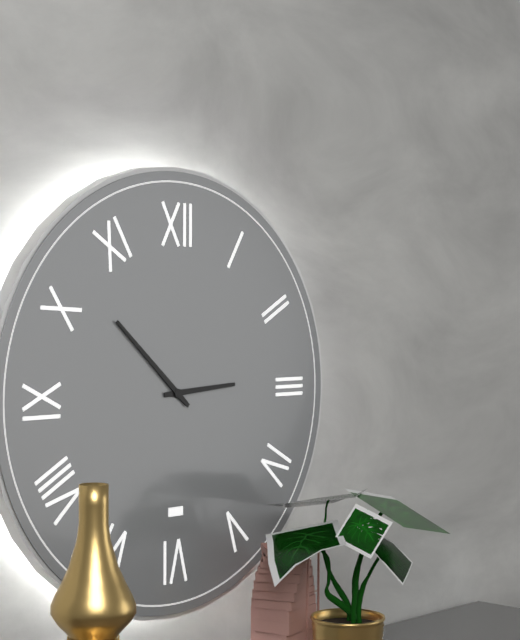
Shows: 2:52
